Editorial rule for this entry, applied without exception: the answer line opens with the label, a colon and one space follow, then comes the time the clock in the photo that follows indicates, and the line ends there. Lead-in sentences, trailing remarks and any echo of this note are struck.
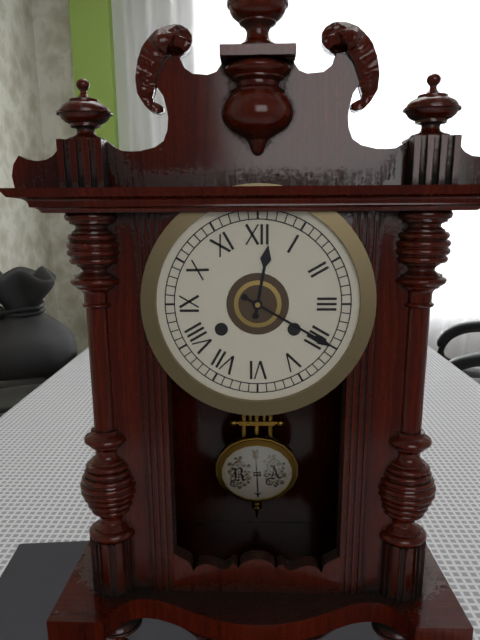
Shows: 12:20
